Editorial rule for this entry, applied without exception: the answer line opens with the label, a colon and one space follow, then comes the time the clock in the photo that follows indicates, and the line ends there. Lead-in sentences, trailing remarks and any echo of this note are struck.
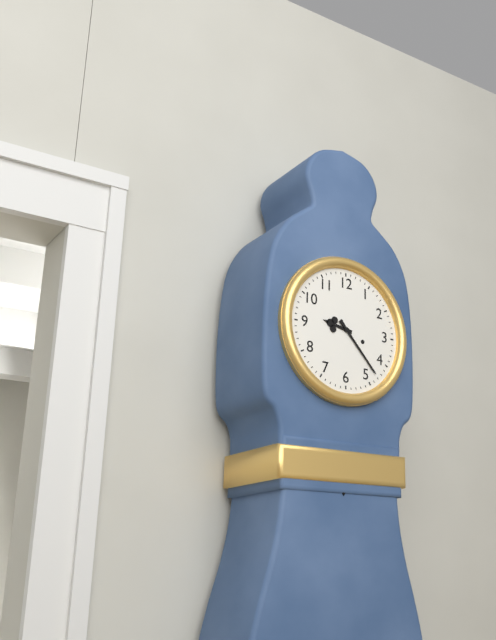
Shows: 9:23
